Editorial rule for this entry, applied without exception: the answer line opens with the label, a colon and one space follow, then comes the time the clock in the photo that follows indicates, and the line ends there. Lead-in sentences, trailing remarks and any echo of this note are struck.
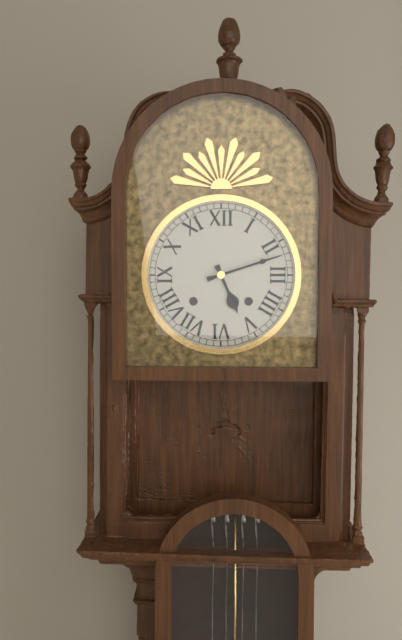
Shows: 5:12
